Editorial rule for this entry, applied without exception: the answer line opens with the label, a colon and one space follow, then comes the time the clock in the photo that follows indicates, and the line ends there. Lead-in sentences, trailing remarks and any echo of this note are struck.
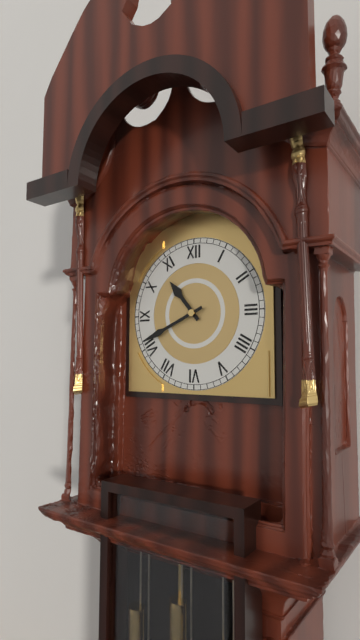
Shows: 10:41
